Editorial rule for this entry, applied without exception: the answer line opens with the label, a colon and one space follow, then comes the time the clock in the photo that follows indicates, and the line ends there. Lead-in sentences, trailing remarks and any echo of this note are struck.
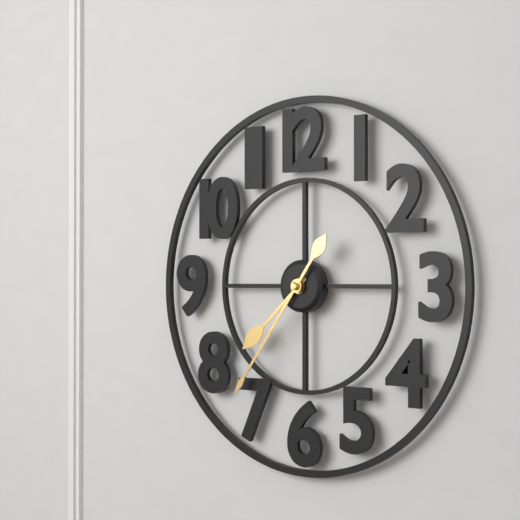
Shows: 7:36
